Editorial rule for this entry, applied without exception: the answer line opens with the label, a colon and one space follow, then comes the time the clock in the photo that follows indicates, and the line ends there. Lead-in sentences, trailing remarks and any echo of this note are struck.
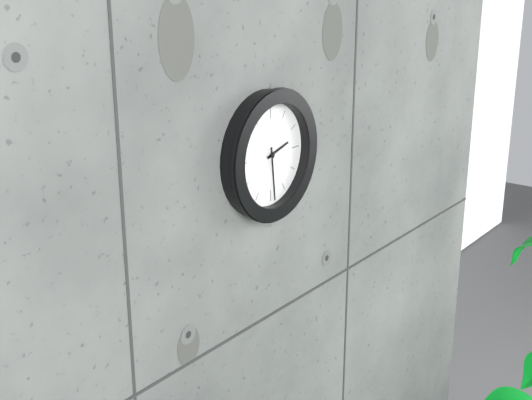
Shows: 2:29
